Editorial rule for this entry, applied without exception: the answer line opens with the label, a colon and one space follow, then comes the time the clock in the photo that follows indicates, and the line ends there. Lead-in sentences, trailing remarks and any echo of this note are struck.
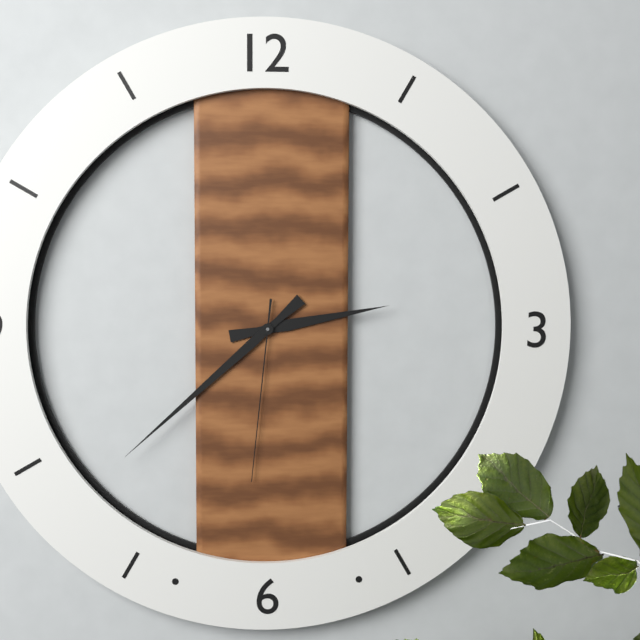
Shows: 2:38:31
